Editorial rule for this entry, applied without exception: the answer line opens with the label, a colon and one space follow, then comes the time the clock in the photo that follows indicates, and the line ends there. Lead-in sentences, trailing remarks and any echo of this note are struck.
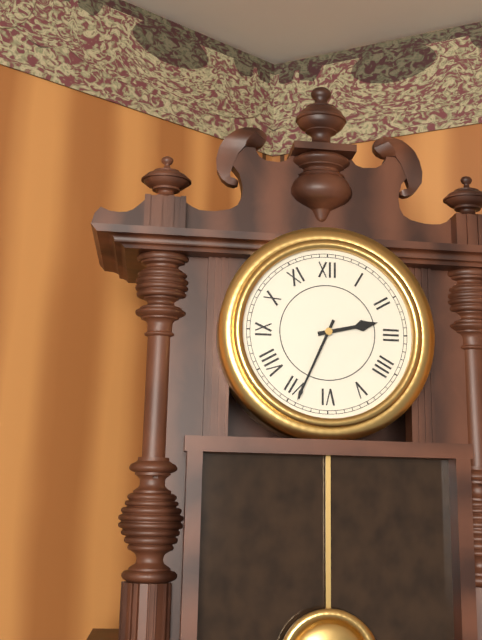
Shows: 2:34
